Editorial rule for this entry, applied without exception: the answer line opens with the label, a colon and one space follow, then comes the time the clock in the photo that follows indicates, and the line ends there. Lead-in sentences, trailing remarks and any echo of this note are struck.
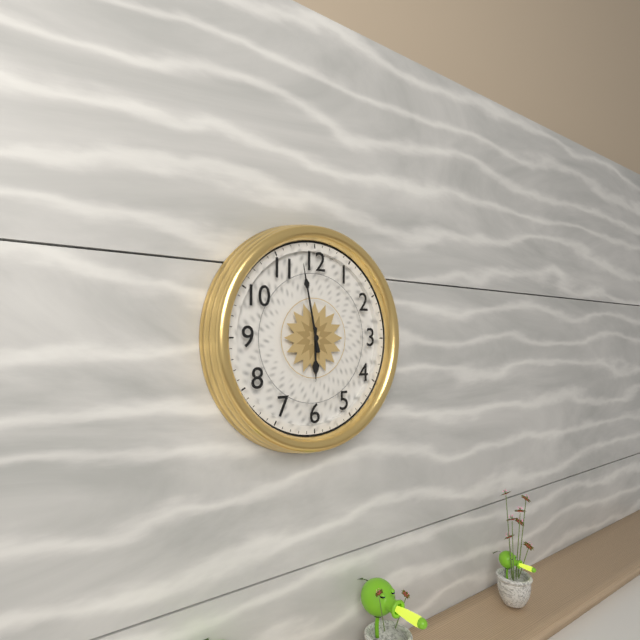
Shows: 5:58
